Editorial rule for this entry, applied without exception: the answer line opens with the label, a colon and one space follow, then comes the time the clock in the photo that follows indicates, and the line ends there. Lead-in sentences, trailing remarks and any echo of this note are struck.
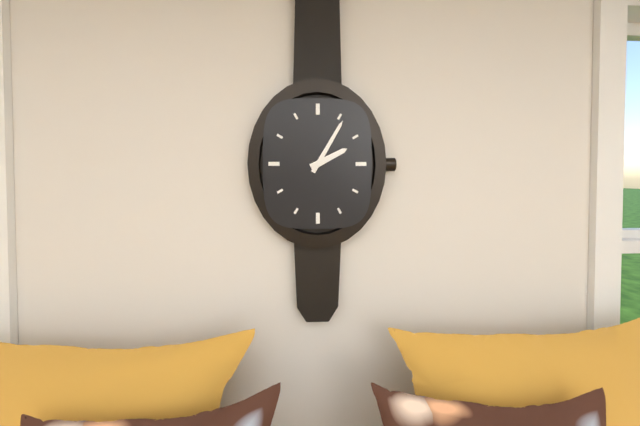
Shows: 2:05
